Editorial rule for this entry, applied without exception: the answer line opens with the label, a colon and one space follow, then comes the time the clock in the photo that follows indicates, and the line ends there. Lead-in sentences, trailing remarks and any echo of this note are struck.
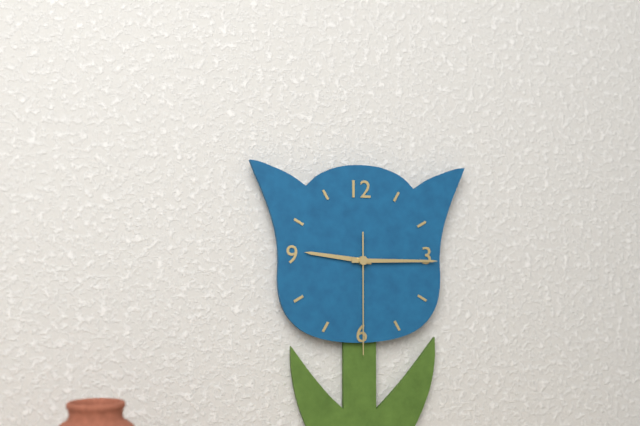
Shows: 9:15:30
